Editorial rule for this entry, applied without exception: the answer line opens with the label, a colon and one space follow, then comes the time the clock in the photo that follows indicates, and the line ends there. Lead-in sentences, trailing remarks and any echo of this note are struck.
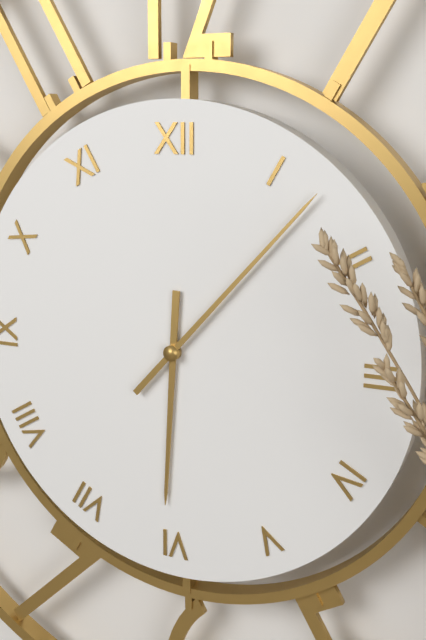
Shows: 6:07
